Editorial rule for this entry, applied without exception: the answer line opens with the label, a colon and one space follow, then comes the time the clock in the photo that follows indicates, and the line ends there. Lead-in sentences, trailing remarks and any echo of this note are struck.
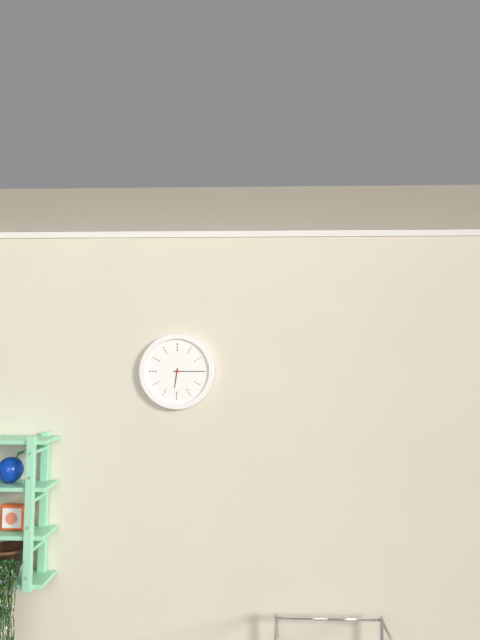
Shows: 6:15
